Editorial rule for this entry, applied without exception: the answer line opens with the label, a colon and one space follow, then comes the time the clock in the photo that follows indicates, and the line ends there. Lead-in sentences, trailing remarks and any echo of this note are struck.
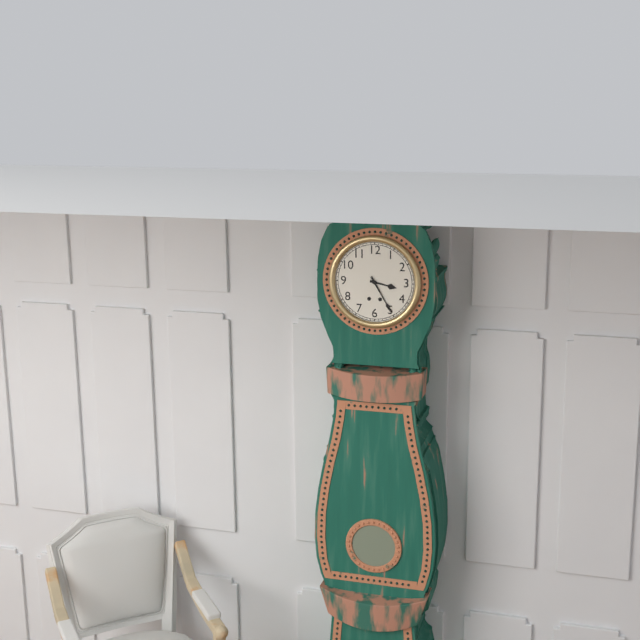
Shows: 3:25
